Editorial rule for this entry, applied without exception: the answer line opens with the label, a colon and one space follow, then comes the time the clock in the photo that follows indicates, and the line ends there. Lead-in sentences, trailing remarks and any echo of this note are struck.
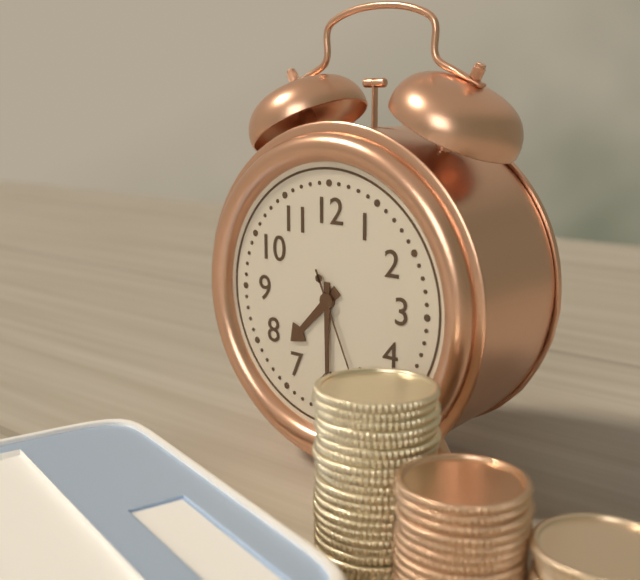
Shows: 7:30
